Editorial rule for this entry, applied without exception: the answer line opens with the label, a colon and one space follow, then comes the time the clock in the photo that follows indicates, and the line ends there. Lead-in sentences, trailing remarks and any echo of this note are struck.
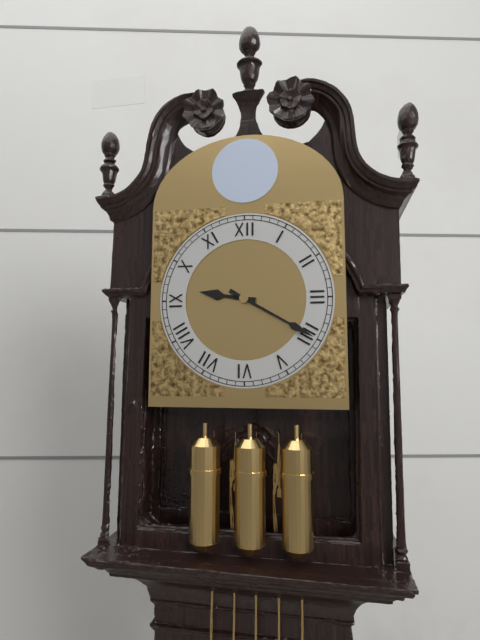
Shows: 9:20
